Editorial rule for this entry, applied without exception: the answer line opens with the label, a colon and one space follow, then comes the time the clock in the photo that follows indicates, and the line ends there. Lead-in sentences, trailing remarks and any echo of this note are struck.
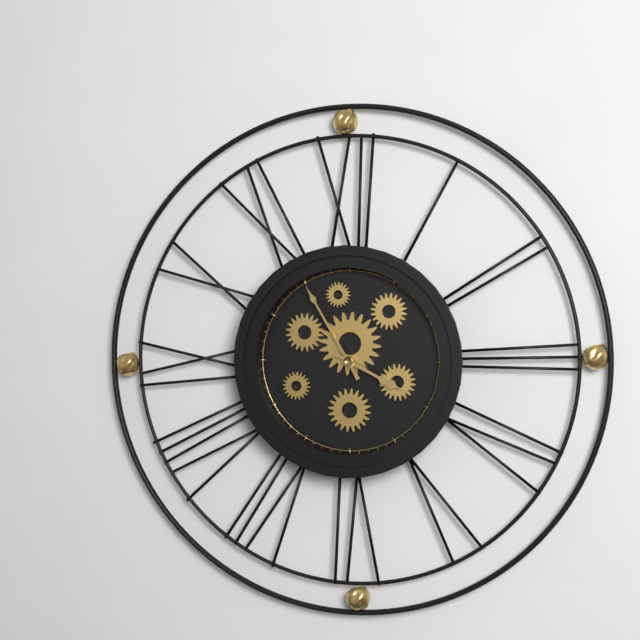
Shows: 3:55
